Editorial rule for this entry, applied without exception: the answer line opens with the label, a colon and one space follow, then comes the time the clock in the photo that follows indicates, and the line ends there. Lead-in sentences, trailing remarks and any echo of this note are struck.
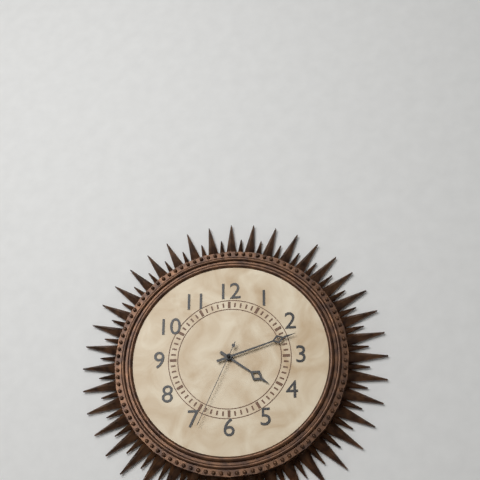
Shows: 4:12:34
